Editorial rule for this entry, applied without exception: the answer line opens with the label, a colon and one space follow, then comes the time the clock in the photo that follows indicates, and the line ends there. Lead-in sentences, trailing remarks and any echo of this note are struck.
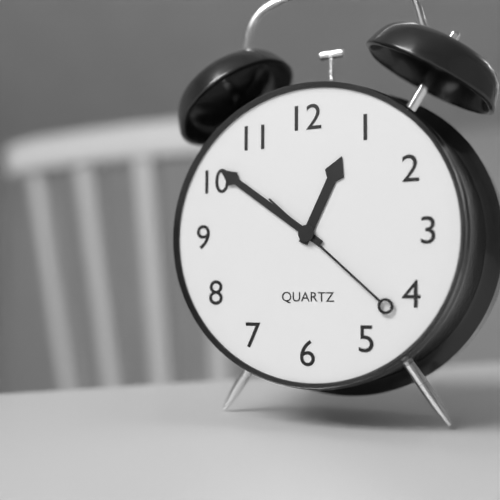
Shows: 12:51:22
